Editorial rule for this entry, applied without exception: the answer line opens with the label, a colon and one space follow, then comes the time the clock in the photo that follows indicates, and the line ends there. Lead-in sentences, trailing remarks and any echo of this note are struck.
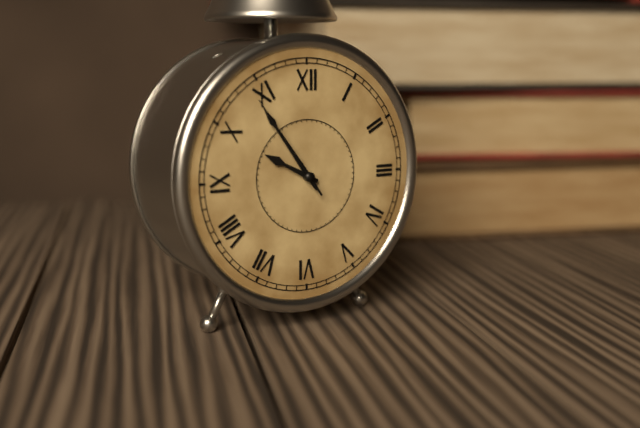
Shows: 9:54:54
